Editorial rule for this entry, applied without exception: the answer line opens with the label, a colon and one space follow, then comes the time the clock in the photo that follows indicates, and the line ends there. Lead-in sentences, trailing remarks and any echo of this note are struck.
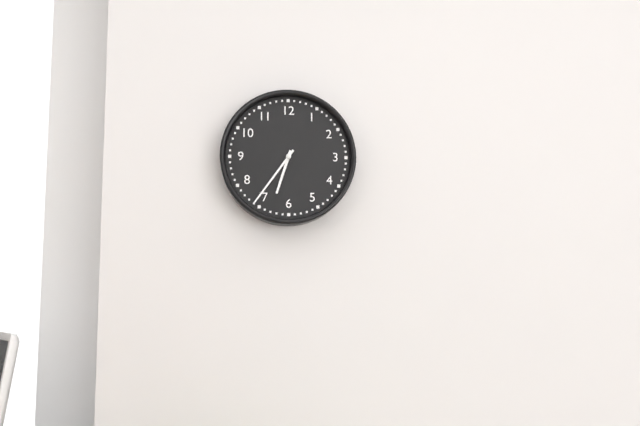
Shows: 6:36
